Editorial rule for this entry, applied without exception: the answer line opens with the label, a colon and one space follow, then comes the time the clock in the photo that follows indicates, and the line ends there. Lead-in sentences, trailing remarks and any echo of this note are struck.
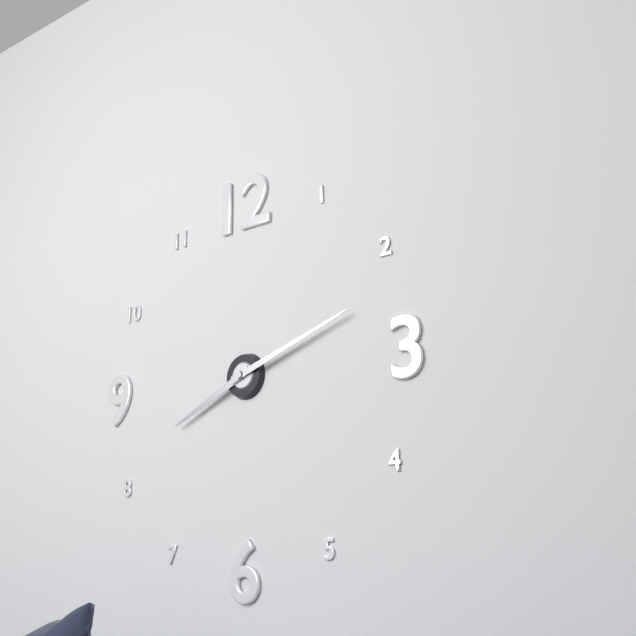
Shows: 8:12
